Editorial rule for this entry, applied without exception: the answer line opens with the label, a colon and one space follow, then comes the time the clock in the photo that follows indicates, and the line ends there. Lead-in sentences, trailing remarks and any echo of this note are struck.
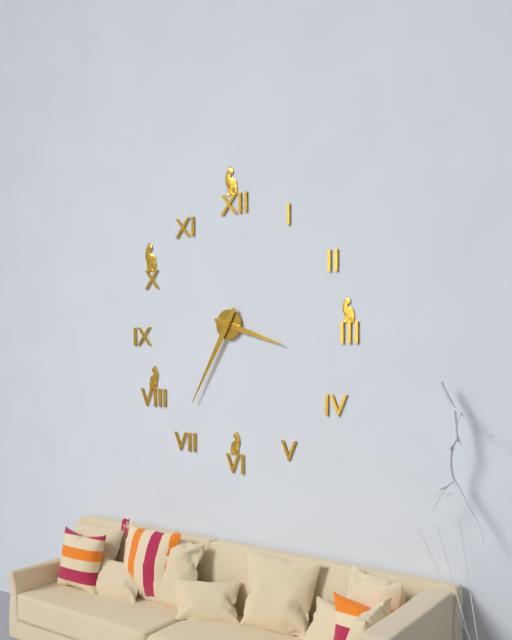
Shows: 3:35
